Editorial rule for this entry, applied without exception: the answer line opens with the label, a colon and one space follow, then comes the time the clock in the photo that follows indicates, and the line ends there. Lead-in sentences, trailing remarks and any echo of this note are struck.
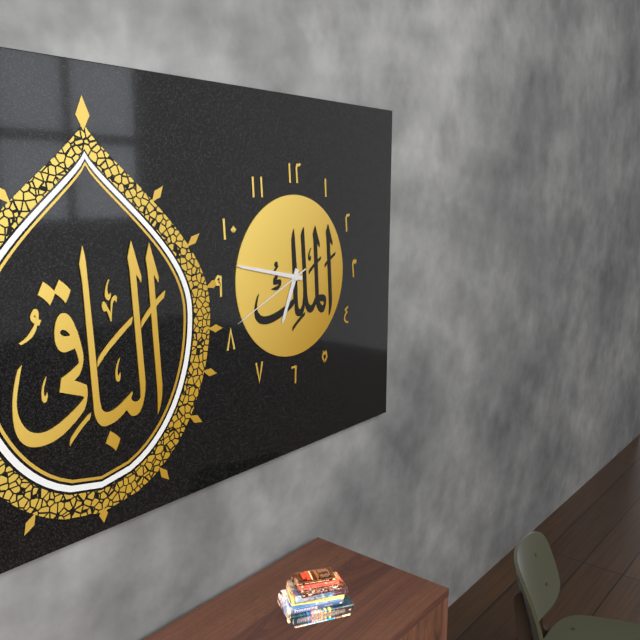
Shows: 6:47:41
